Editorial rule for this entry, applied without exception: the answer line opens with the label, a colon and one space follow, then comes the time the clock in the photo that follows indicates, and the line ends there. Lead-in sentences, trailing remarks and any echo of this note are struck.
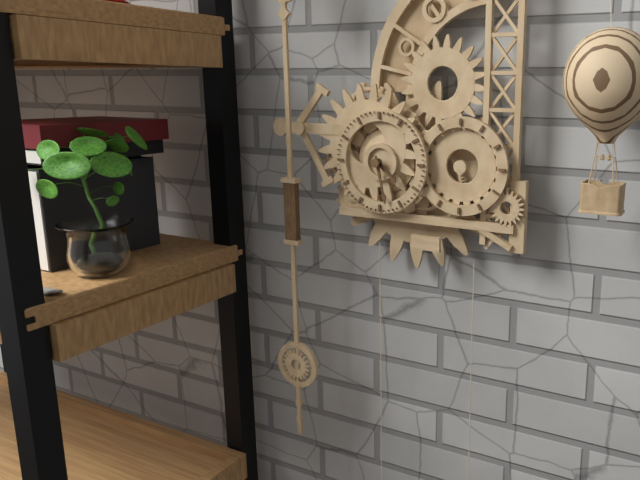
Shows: 4:28
